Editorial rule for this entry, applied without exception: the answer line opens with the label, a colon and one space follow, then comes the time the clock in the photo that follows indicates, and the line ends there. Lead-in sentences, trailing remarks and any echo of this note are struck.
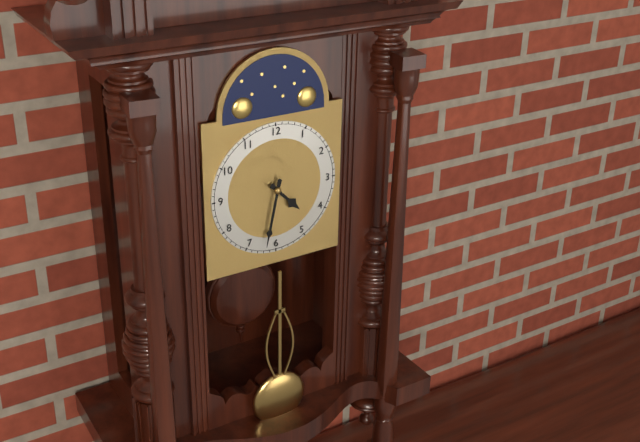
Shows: 4:32
